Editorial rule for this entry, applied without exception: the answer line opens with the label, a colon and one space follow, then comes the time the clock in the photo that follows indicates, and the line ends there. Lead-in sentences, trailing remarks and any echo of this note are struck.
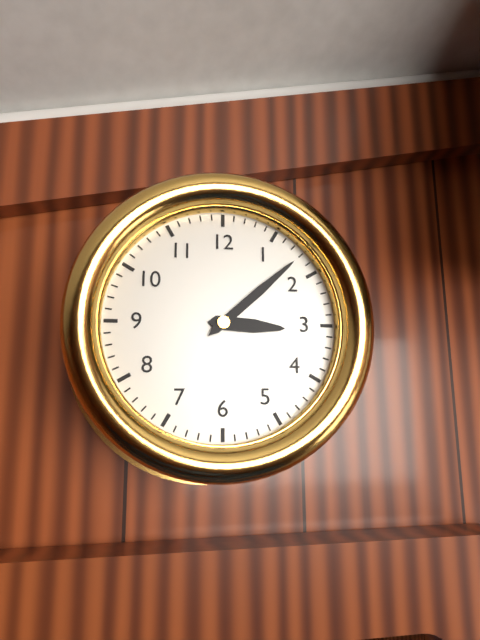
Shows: 3:08
